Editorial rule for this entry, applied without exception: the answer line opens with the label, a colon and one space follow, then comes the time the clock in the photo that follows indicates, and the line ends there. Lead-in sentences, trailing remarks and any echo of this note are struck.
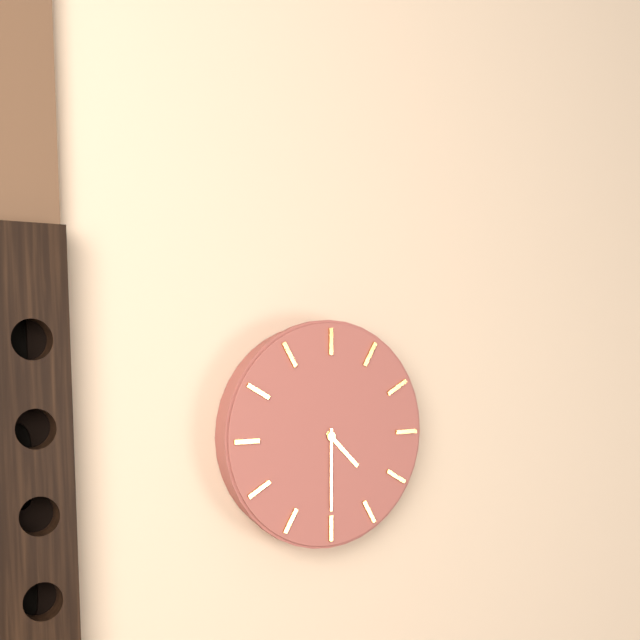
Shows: 4:30
